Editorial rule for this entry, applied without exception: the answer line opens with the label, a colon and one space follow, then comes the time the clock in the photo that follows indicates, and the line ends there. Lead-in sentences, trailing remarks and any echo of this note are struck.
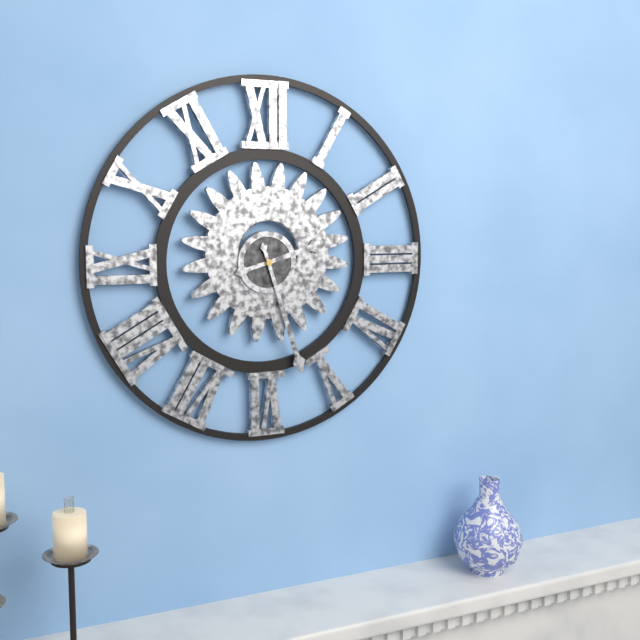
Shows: 2:27
